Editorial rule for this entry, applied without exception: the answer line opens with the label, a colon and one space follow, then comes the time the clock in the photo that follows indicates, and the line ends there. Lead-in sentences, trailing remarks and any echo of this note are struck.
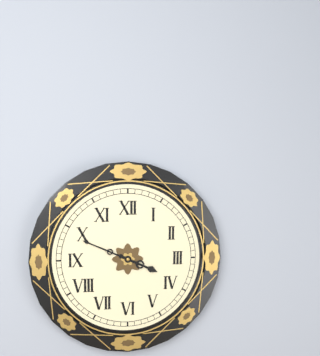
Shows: 3:49
